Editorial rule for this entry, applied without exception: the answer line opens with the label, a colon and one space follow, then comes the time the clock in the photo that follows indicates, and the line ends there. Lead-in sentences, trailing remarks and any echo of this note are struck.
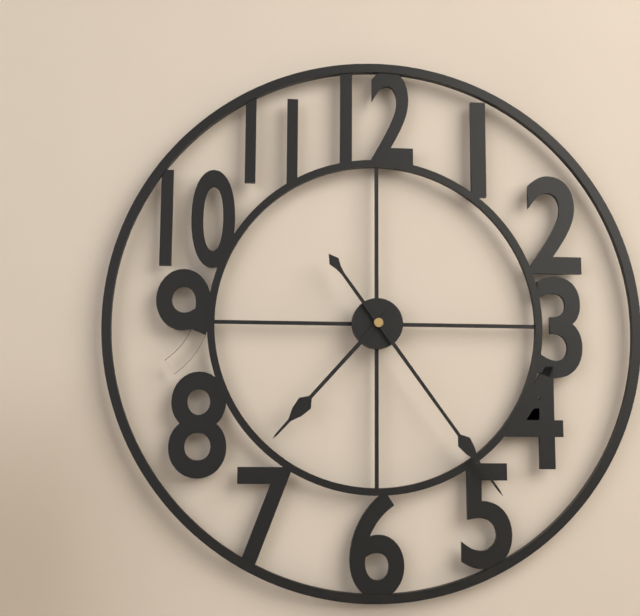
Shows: 7:24
